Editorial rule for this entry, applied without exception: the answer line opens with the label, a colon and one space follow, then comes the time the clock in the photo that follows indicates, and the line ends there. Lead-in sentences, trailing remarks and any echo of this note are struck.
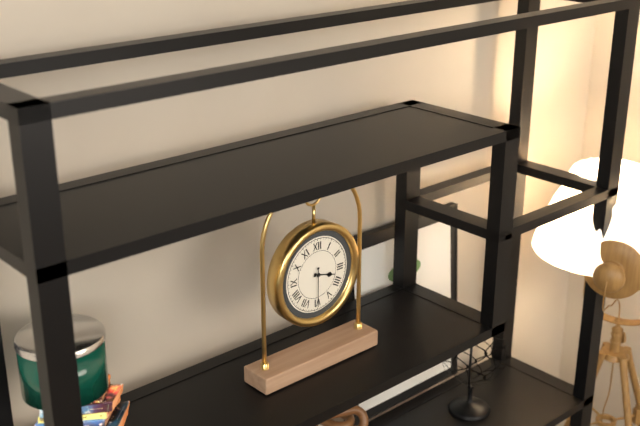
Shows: 3:30
